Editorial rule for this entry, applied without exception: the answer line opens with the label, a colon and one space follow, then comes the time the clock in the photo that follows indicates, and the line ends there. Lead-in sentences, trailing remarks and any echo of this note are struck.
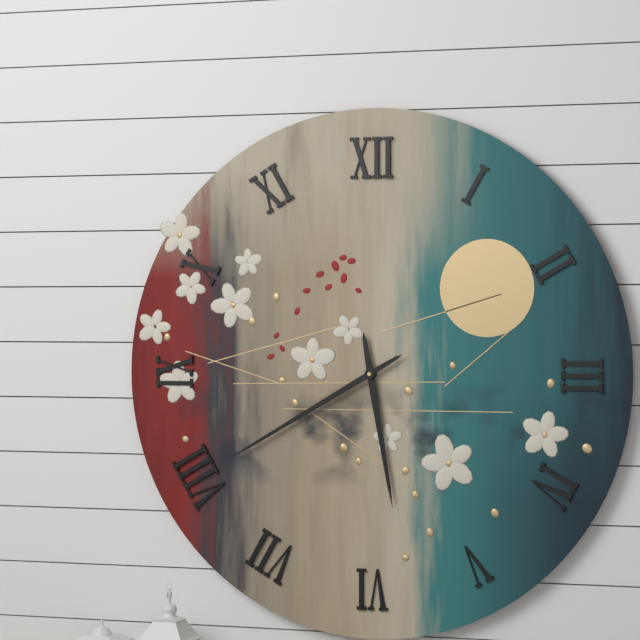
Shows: 5:40
